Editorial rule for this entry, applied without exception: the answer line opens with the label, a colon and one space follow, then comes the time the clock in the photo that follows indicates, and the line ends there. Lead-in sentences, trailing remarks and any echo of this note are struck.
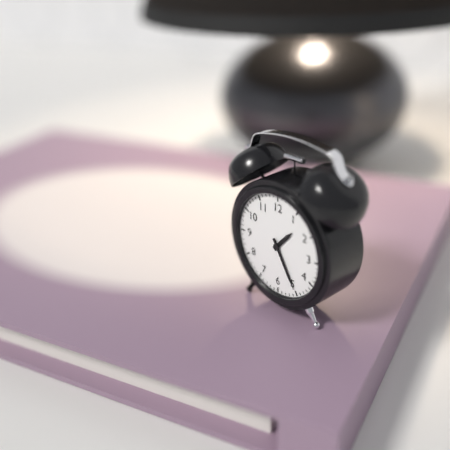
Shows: 1:25
